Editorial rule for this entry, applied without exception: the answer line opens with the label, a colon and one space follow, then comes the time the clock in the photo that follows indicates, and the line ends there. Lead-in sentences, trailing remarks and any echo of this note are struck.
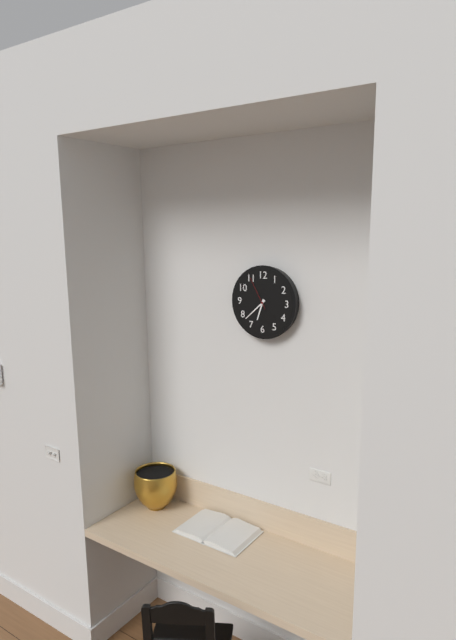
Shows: 6:38
